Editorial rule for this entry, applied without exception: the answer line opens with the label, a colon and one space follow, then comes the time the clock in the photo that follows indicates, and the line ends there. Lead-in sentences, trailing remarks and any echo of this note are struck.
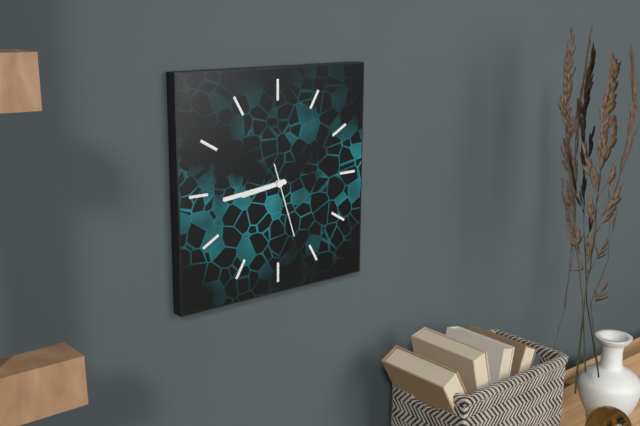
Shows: 8:44:27
